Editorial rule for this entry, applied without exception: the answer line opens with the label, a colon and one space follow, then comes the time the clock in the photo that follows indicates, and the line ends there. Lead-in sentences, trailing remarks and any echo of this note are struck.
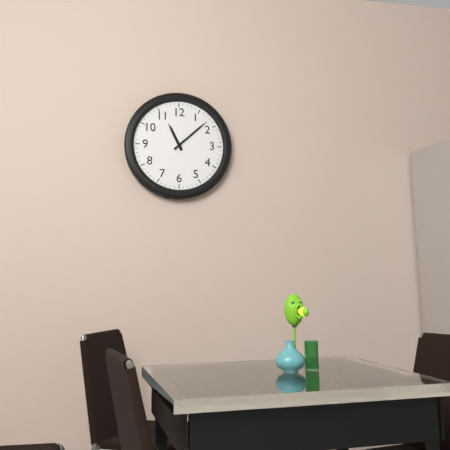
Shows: 11:08
